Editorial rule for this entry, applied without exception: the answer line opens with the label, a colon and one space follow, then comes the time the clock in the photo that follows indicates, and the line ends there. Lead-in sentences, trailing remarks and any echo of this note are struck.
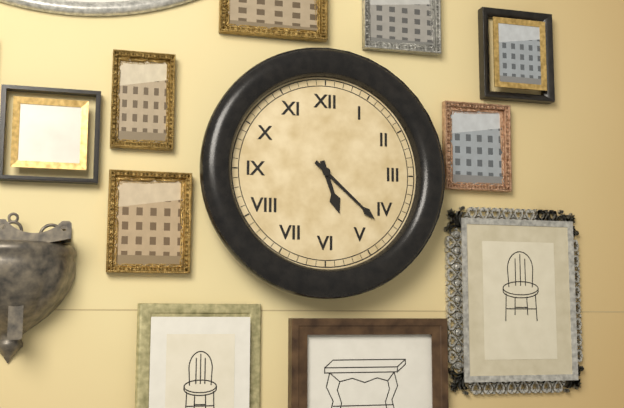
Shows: 5:22
